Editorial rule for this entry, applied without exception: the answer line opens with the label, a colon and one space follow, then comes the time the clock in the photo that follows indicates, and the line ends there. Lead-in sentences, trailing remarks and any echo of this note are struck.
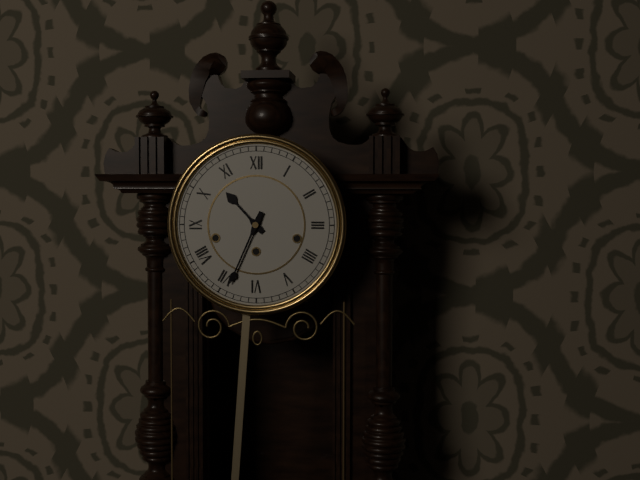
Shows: 10:34
